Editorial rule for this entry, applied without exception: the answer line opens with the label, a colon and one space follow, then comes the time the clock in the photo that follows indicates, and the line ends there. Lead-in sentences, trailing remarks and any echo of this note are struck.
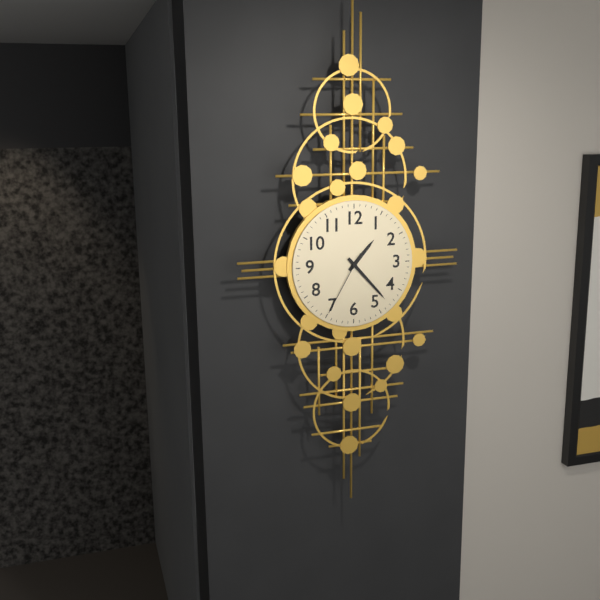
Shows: 1:23:35
